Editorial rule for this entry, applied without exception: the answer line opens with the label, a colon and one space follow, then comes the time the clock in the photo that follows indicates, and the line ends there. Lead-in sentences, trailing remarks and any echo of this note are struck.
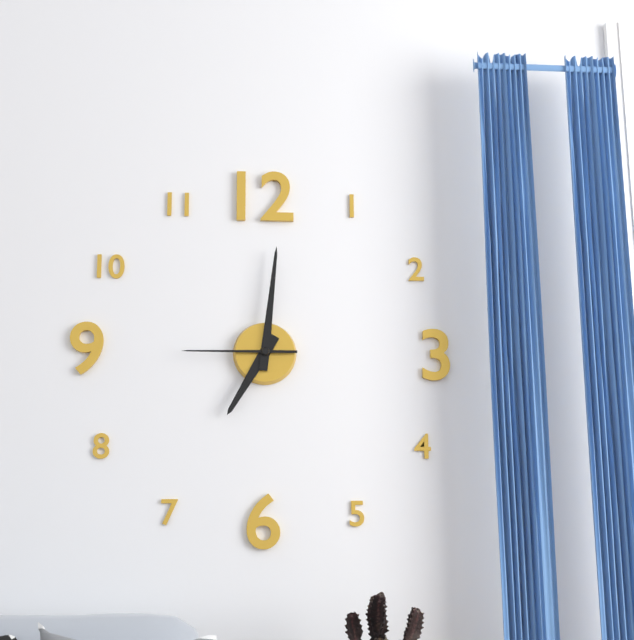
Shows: 7:01:45
